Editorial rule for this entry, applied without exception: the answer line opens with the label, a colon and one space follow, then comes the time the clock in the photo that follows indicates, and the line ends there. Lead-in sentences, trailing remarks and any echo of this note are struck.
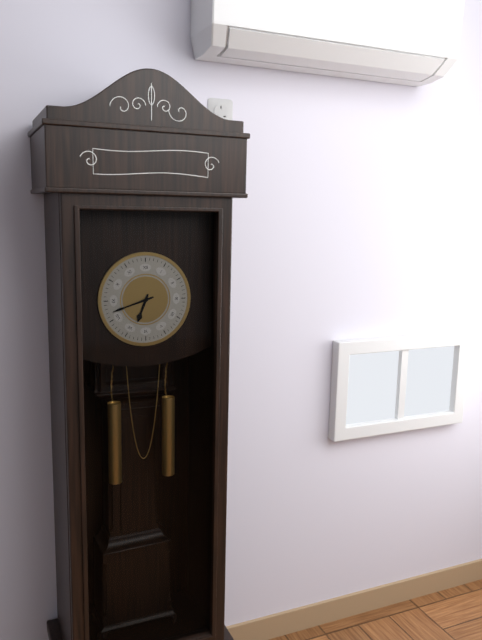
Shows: 6:42
